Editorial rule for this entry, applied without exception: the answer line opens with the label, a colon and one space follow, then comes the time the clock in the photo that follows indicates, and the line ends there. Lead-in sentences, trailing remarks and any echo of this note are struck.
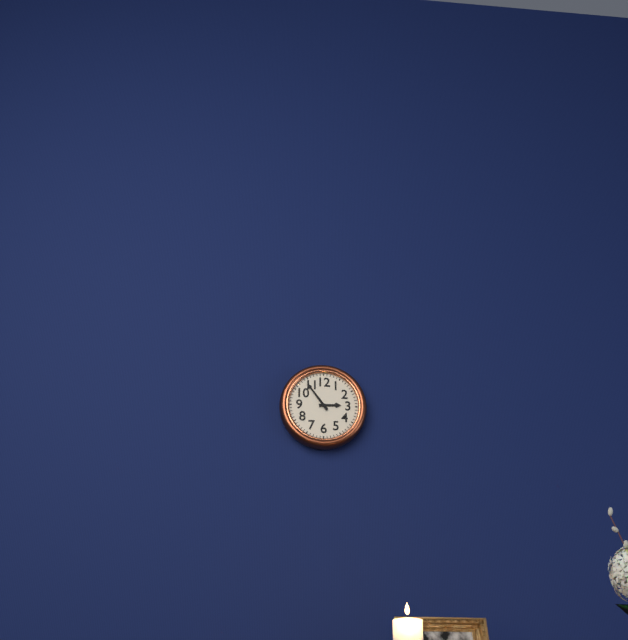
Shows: 2:54
